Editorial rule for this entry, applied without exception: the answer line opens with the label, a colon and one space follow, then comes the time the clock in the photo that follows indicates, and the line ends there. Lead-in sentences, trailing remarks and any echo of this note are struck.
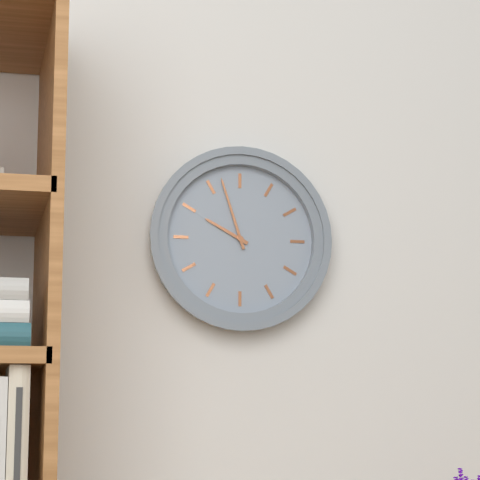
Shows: 9:57
